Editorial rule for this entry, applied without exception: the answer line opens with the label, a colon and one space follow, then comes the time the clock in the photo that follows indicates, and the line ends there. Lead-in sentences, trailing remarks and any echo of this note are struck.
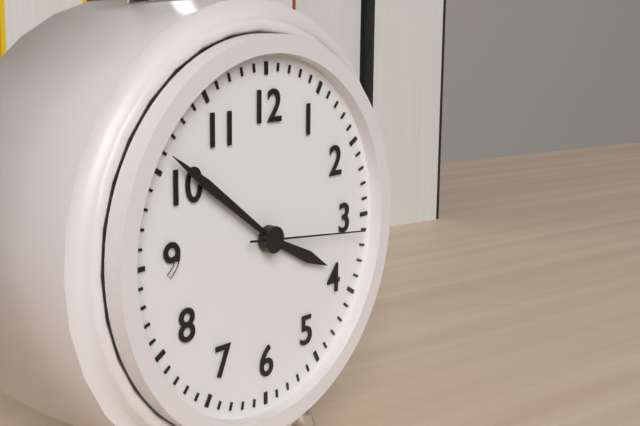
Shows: 3:51:16
